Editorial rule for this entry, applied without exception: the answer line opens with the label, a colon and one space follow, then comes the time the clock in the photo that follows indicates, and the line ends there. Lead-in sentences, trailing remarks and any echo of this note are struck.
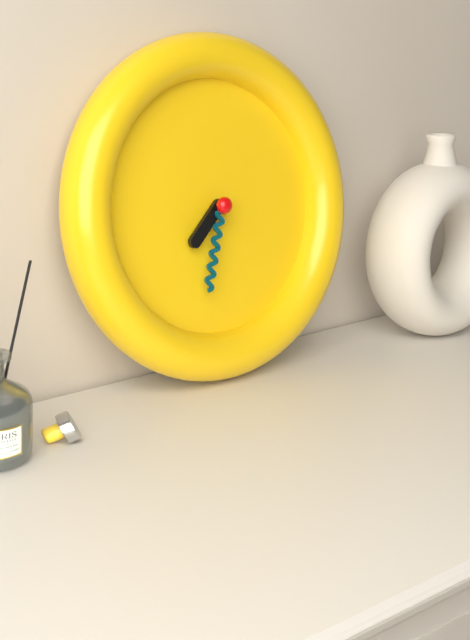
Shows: 7:33
